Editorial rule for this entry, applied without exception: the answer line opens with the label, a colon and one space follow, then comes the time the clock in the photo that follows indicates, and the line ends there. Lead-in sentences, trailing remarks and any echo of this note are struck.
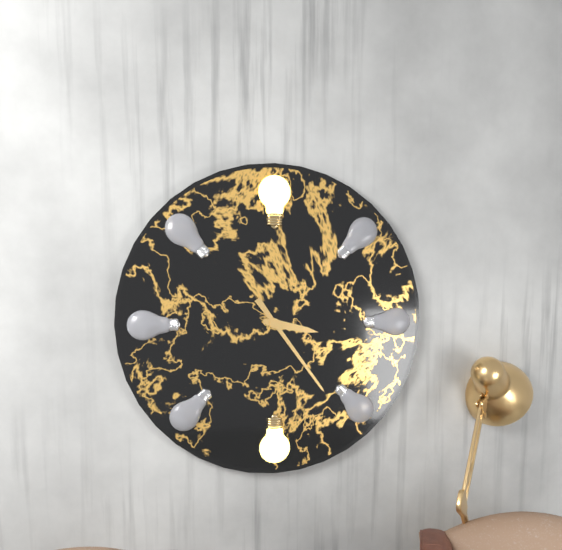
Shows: 3:24
